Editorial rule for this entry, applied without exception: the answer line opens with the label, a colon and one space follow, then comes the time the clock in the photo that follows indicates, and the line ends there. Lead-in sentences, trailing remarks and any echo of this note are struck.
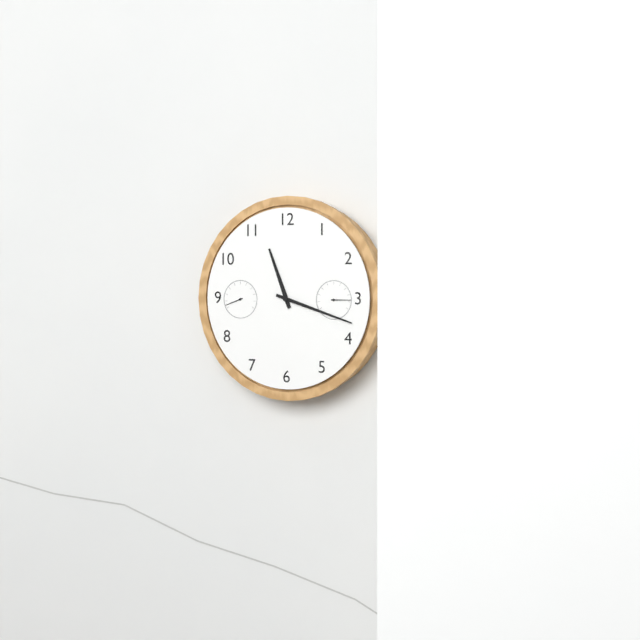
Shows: 11:18
